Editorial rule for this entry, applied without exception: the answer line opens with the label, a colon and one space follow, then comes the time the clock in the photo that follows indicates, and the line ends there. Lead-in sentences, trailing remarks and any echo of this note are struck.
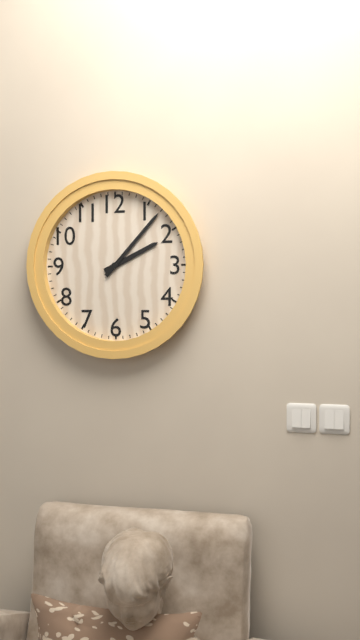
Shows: 2:07
